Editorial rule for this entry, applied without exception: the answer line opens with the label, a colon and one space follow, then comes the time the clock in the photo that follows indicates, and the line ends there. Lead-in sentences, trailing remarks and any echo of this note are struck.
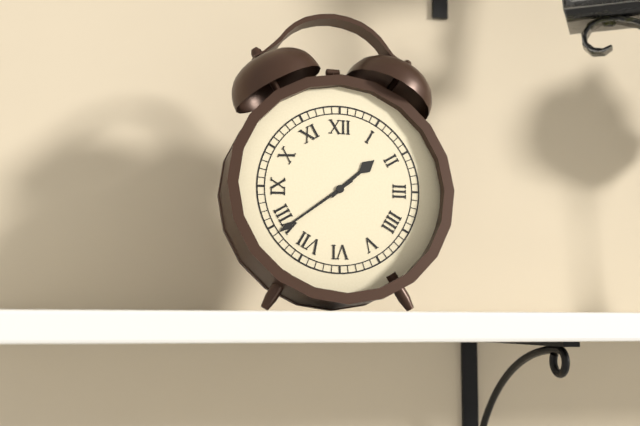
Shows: 1:39
